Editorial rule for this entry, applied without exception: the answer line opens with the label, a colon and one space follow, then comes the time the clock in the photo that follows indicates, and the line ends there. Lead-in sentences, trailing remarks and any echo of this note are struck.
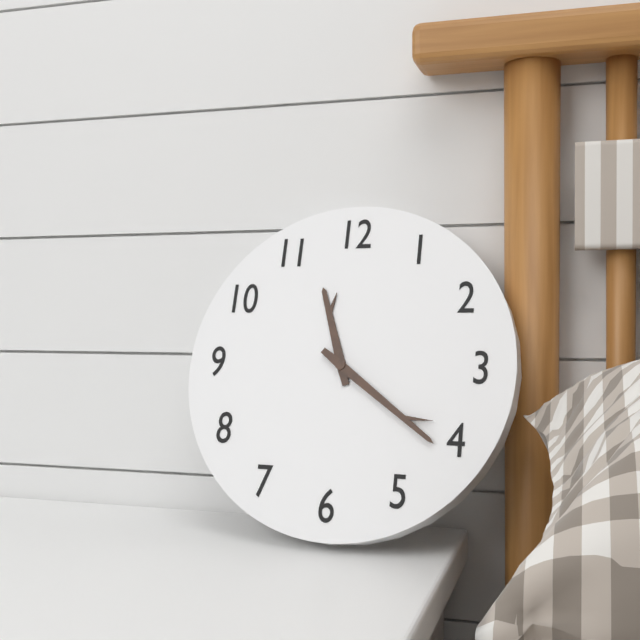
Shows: 11:21
